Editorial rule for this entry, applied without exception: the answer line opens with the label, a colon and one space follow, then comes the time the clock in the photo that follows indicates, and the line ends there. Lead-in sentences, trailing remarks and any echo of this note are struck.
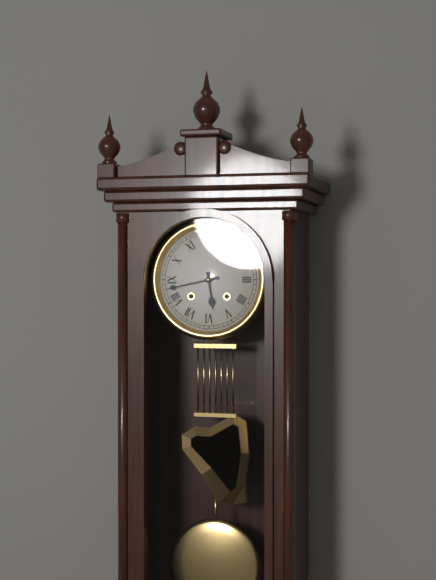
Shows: 5:43
